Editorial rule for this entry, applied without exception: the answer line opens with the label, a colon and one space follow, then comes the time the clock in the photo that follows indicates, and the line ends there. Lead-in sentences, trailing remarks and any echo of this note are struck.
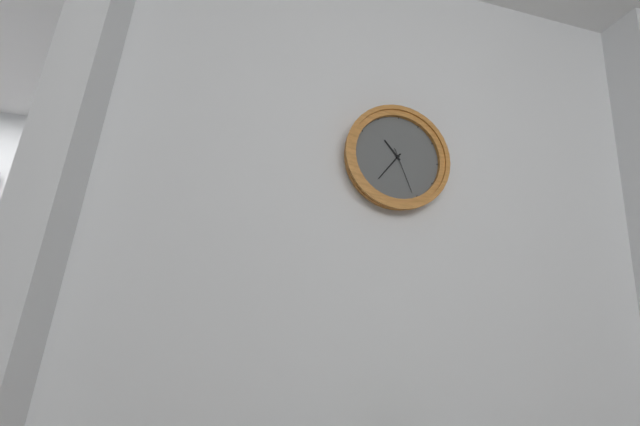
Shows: 10:36
